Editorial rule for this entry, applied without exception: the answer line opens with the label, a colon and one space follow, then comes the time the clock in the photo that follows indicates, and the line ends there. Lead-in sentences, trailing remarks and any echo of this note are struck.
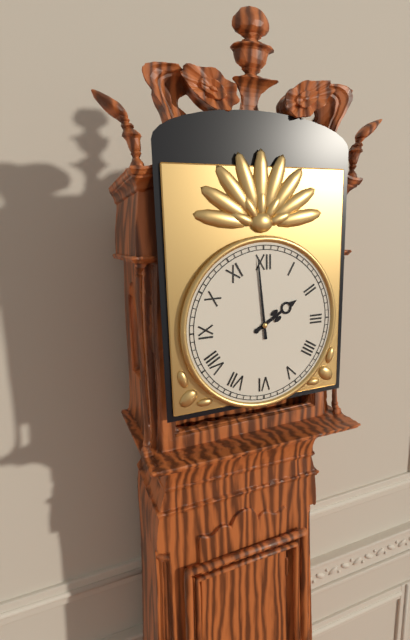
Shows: 1:59
